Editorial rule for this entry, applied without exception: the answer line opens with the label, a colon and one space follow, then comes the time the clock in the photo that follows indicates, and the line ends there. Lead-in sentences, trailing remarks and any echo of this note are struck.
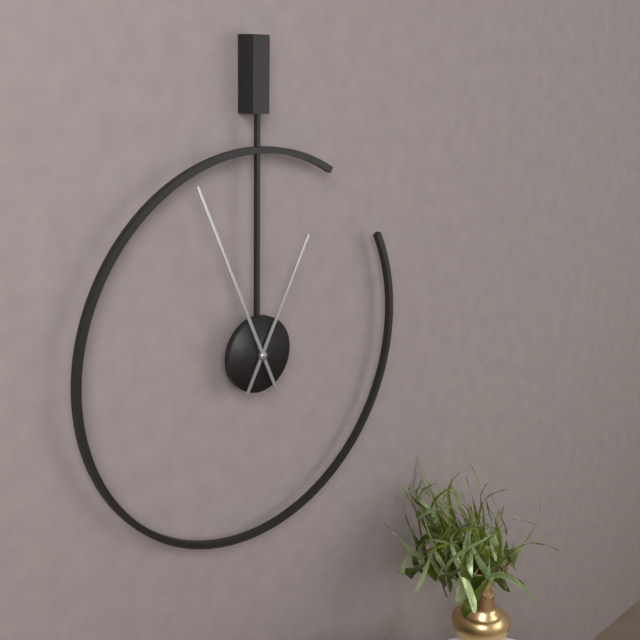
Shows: 12:56
